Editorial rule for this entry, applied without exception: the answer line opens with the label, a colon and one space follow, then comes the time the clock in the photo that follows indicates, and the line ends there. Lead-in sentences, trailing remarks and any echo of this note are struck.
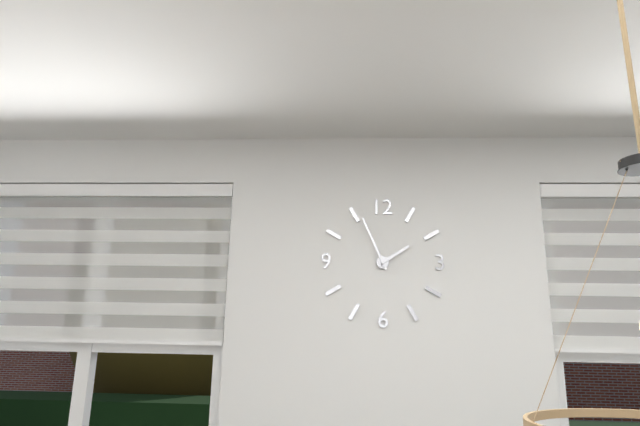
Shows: 1:56
